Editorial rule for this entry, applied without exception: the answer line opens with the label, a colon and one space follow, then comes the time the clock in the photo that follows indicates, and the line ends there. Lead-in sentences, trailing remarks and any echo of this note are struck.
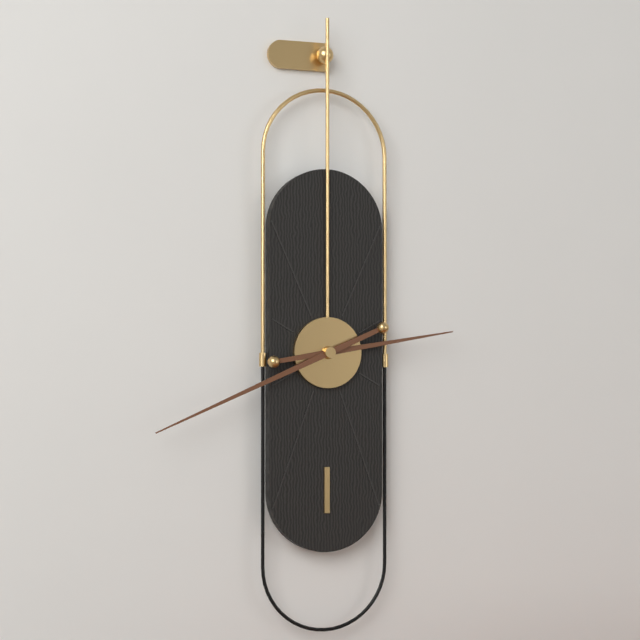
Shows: 2:41
